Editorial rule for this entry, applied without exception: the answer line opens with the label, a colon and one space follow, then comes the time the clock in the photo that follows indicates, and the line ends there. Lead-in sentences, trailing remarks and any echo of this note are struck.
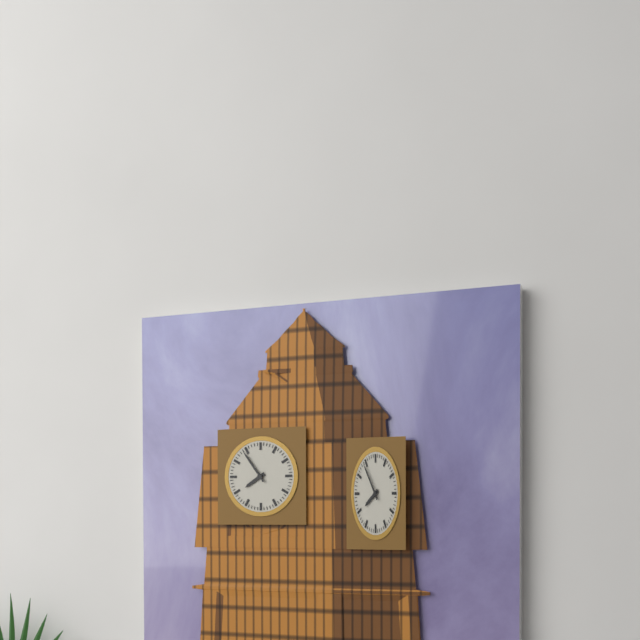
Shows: 7:54
